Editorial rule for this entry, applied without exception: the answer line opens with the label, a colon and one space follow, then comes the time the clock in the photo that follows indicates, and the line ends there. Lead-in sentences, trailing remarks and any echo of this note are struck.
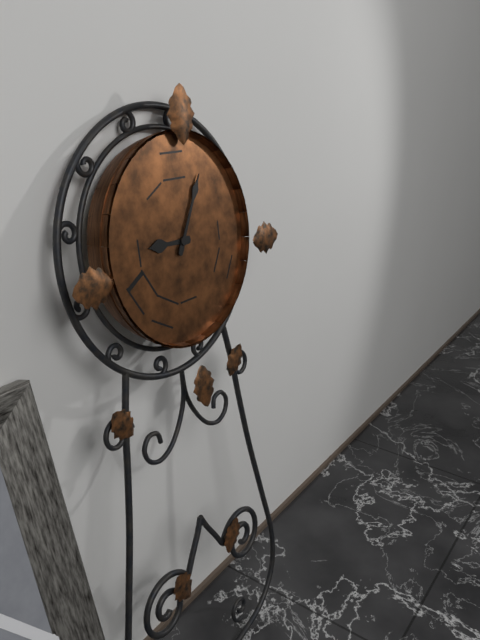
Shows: 9:05
